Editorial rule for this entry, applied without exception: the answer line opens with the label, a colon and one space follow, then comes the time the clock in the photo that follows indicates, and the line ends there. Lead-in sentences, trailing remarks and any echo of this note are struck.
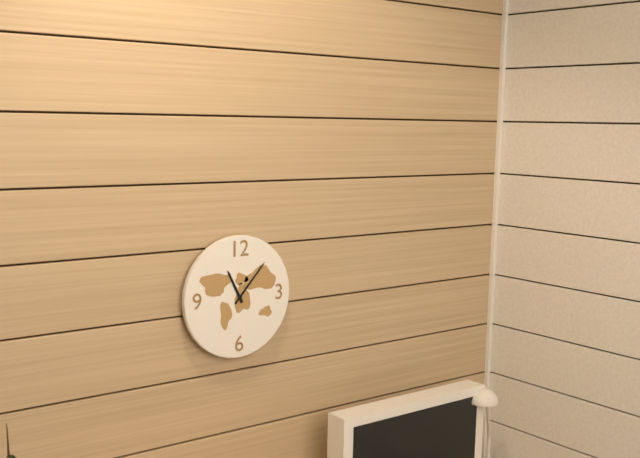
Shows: 11:07
